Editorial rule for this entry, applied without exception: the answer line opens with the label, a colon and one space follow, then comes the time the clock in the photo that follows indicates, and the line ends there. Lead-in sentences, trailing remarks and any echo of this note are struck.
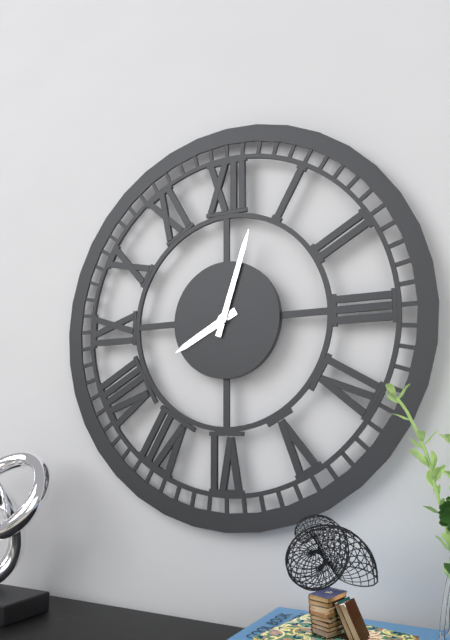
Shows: 8:03
